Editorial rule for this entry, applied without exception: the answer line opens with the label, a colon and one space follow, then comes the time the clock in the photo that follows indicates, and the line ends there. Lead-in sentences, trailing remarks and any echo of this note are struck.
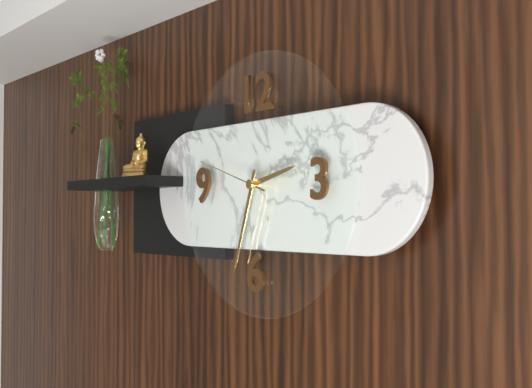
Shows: 2:33:48
